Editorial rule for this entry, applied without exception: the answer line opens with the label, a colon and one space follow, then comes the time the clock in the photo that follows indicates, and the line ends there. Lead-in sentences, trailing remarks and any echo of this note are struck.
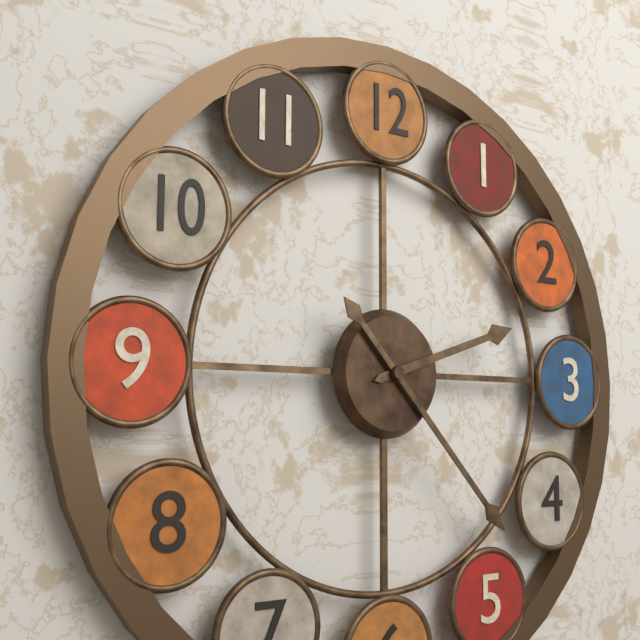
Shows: 2:23
